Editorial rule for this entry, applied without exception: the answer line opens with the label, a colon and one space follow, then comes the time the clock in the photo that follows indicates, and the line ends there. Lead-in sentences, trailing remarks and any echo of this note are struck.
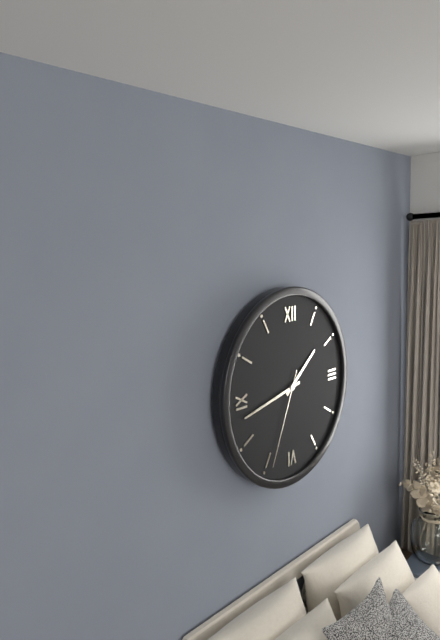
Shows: 1:43:34
